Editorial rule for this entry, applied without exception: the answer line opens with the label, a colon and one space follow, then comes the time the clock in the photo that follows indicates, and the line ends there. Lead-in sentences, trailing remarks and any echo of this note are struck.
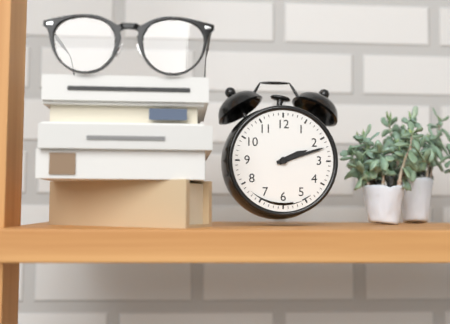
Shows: 2:12
